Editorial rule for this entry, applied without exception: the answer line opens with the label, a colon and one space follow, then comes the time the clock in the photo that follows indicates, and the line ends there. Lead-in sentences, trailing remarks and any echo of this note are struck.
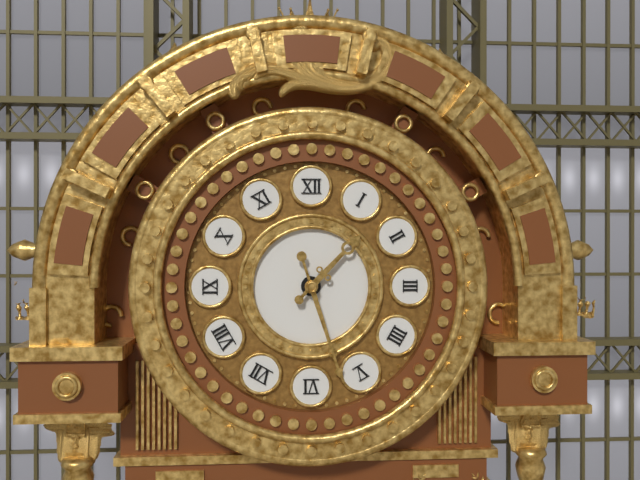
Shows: 1:27
